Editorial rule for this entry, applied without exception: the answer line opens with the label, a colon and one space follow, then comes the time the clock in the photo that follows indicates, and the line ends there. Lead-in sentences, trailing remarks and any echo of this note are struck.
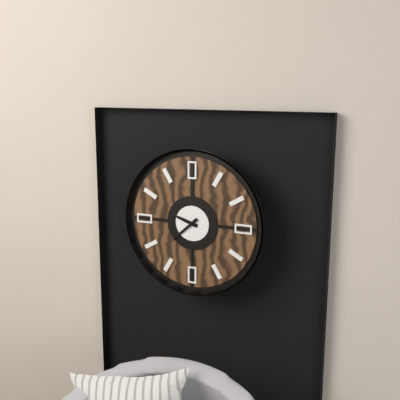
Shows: 9:38
